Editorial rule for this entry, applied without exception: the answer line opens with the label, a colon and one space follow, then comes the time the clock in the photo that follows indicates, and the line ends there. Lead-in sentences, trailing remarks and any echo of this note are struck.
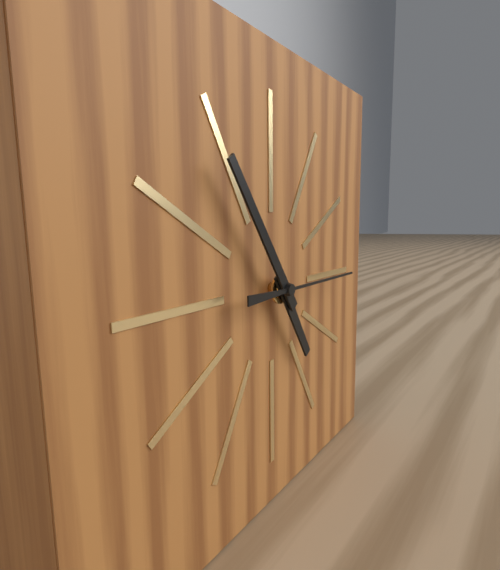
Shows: 4:54:15
